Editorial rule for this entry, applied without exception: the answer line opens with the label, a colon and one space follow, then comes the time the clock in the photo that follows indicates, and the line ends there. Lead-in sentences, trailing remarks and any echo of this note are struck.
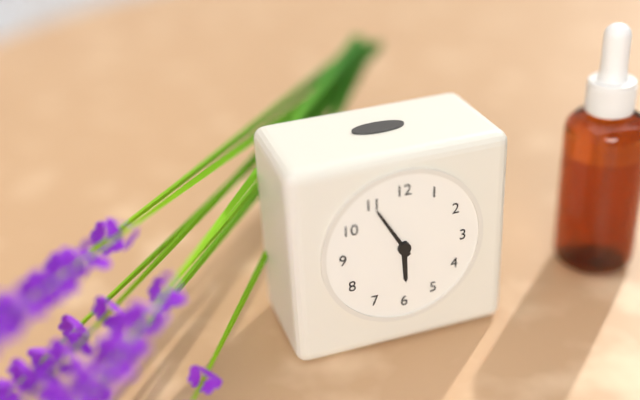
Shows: 5:55
